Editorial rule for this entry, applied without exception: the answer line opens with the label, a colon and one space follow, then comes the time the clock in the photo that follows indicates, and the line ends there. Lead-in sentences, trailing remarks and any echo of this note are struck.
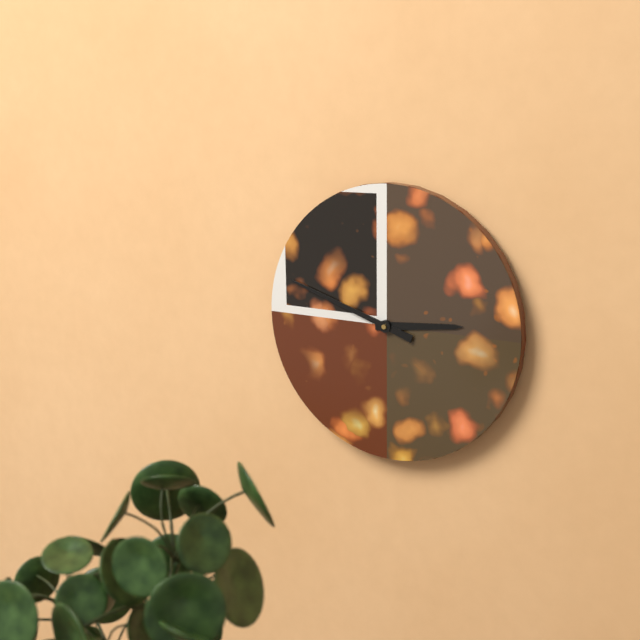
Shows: 2:48
